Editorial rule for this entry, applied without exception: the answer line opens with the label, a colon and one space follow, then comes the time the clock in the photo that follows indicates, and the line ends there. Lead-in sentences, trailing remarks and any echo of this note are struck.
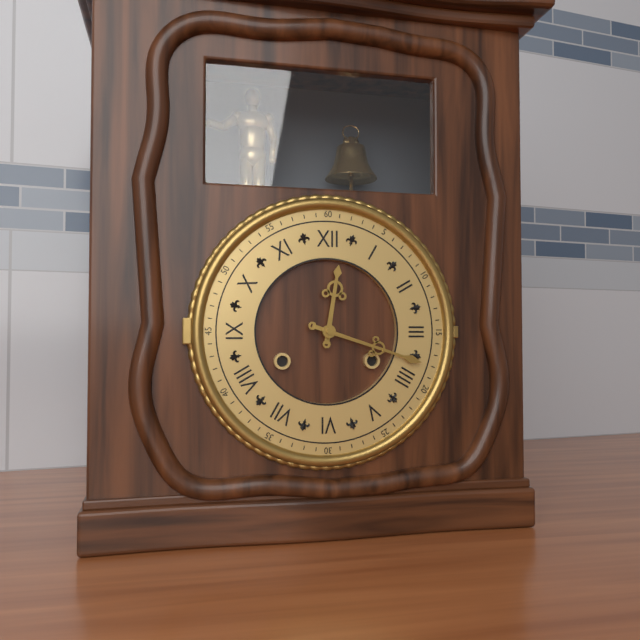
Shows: 12:18
